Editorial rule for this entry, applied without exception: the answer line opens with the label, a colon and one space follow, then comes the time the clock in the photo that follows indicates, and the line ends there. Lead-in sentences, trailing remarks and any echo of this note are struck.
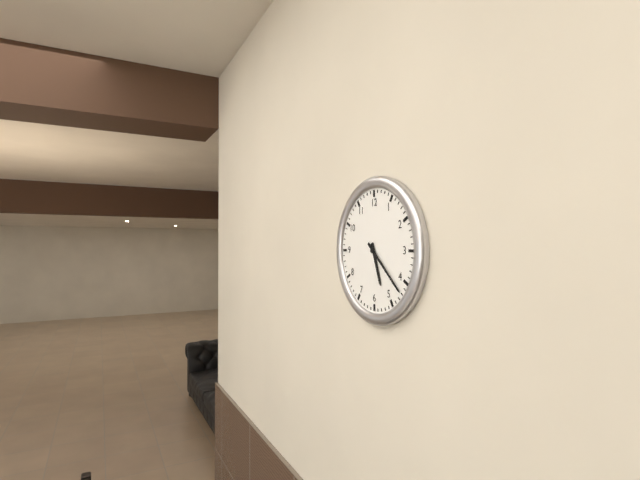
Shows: 5:22
